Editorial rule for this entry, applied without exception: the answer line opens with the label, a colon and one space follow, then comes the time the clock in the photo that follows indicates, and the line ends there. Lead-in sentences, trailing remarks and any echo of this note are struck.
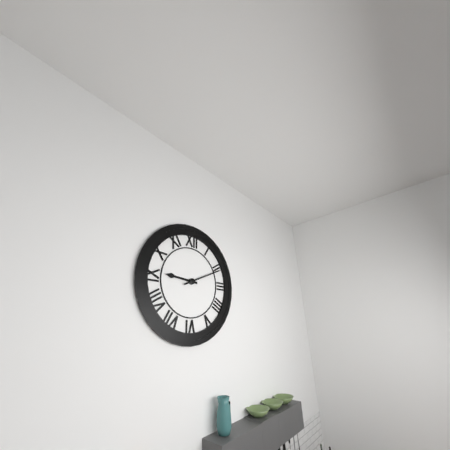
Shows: 9:11
